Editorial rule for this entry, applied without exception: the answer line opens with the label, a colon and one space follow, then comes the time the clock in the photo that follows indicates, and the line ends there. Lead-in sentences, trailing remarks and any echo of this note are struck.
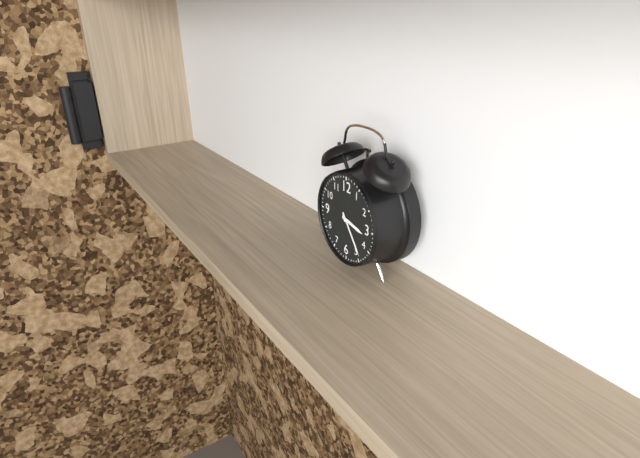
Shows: 3:24
